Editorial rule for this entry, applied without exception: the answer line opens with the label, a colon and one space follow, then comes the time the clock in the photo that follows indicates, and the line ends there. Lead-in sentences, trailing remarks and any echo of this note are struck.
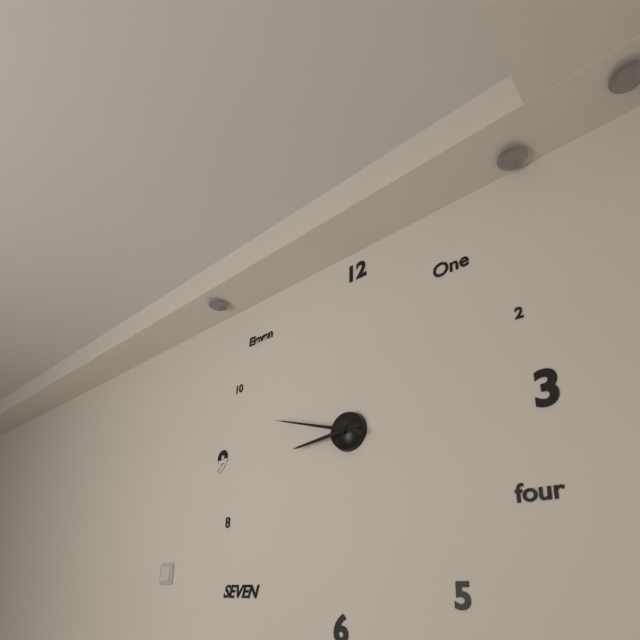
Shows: 8:48
